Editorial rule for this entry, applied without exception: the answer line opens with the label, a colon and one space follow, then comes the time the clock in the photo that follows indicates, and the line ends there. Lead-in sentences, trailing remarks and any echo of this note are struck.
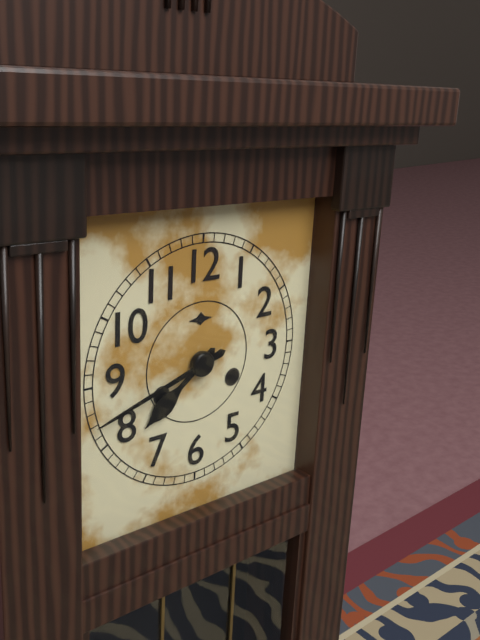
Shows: 7:42
